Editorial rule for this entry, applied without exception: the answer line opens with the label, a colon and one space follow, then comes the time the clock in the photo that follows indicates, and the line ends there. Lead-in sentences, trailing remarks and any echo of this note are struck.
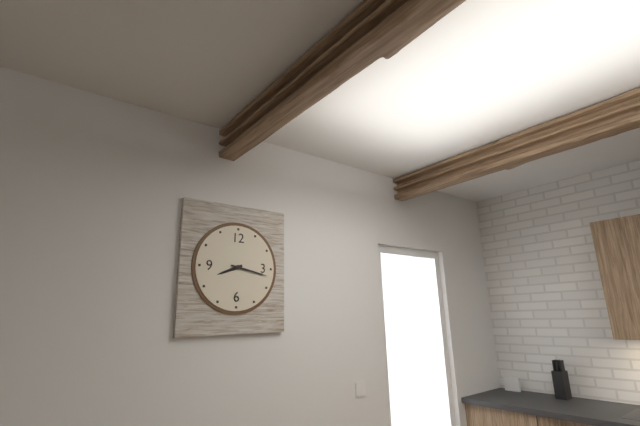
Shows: 8:17
